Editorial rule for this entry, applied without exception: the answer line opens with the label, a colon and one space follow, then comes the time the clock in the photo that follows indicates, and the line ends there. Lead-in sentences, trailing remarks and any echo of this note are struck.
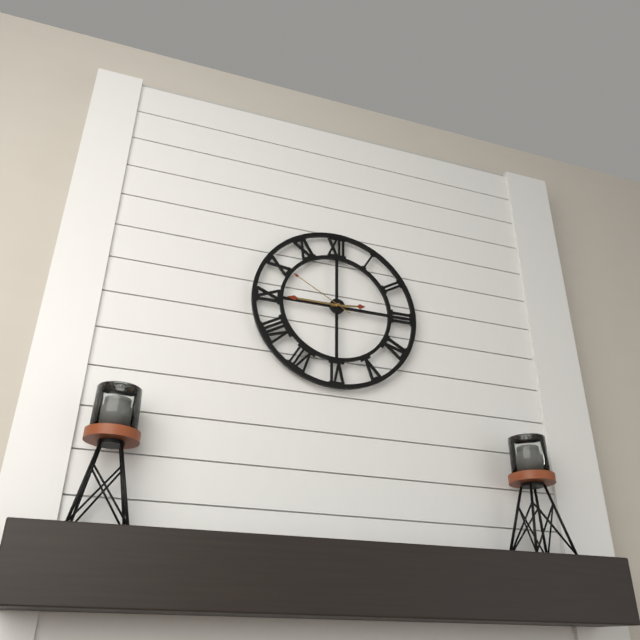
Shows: 2:45:50
